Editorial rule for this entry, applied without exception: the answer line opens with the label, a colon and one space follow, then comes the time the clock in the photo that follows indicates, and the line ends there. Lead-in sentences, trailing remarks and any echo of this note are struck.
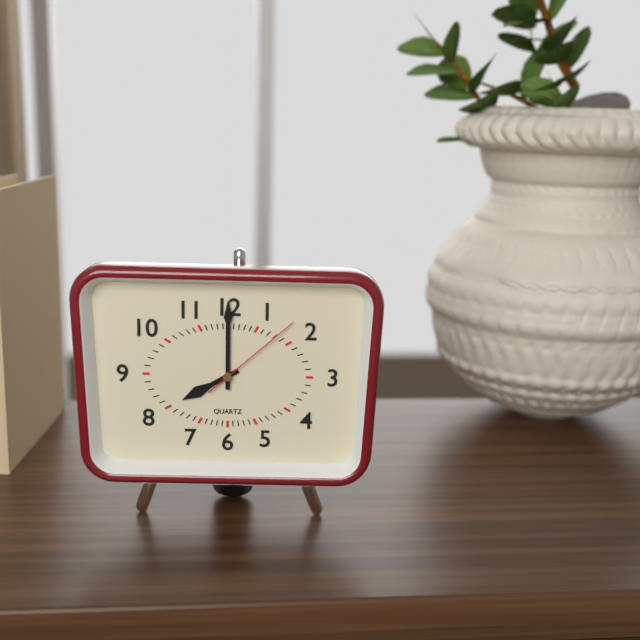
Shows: 8:00:08
